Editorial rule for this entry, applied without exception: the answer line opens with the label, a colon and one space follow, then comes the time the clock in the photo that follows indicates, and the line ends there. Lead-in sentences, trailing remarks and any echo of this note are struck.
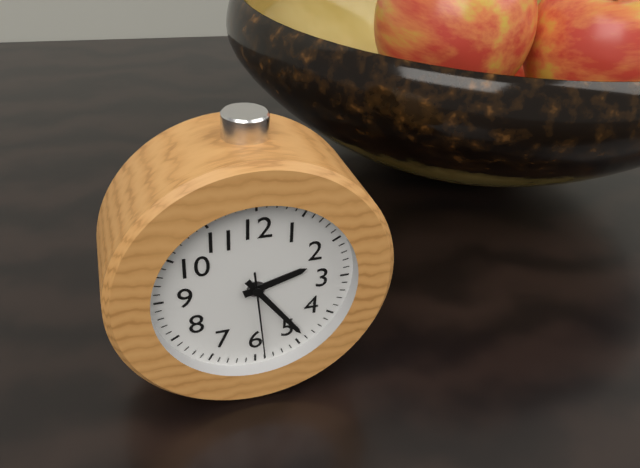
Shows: 2:24:29
